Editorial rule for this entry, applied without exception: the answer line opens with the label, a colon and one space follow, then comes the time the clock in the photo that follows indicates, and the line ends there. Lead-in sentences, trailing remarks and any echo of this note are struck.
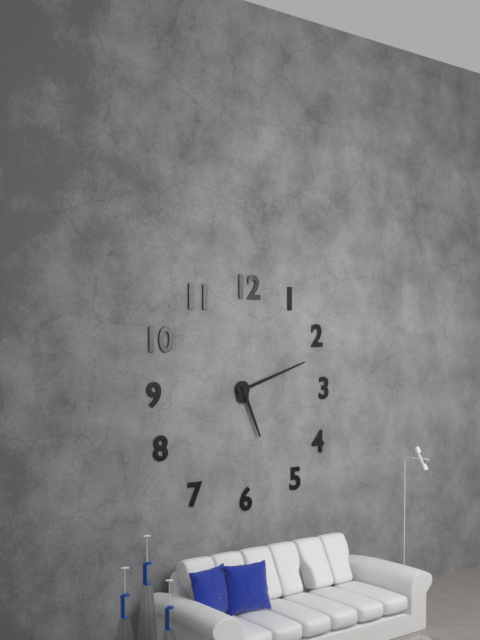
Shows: 5:12
